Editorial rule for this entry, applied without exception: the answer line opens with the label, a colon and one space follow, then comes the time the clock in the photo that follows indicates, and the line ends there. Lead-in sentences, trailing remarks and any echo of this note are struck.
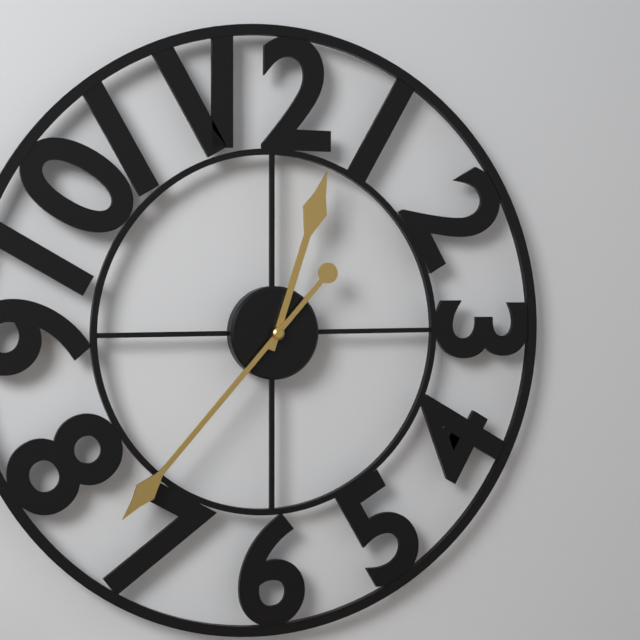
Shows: 12:37
